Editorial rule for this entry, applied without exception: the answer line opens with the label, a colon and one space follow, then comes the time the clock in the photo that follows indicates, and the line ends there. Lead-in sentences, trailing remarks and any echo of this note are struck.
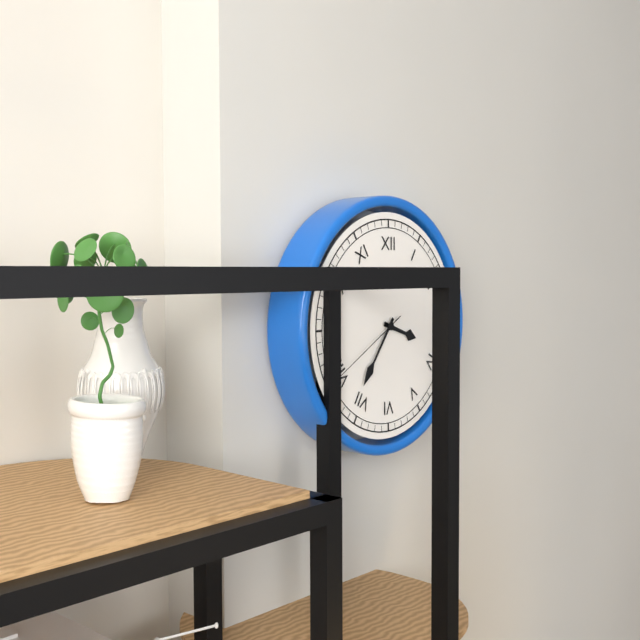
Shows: 3:36:40
